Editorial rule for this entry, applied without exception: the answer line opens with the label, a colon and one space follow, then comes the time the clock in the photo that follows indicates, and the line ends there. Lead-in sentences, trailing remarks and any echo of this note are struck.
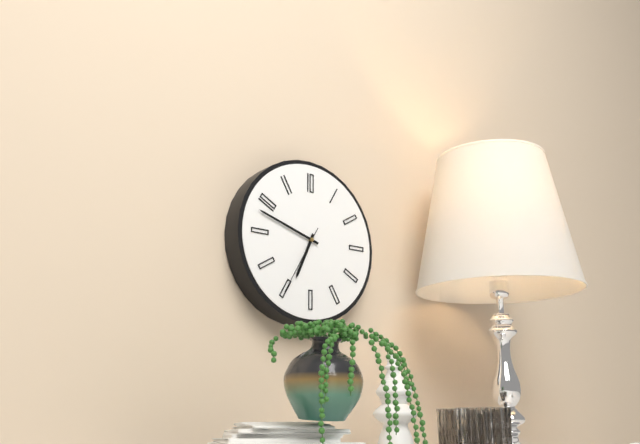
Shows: 6:48:35
